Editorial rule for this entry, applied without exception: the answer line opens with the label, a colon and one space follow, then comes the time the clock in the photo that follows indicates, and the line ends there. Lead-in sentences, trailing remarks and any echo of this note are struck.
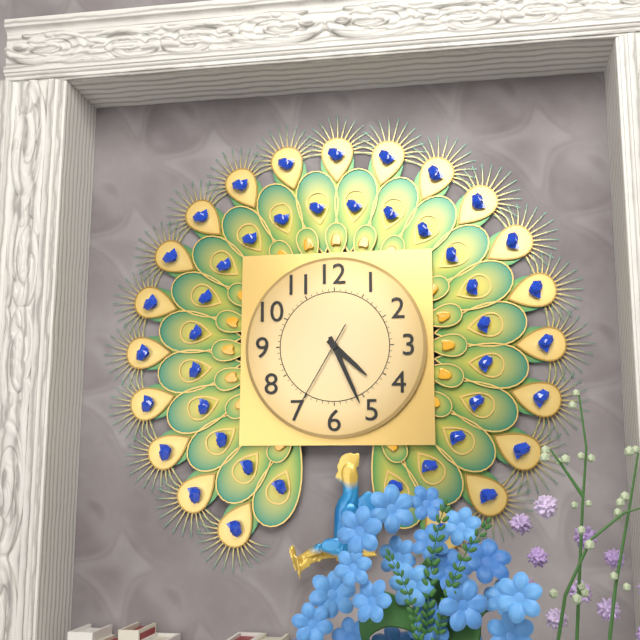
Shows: 4:26:35
